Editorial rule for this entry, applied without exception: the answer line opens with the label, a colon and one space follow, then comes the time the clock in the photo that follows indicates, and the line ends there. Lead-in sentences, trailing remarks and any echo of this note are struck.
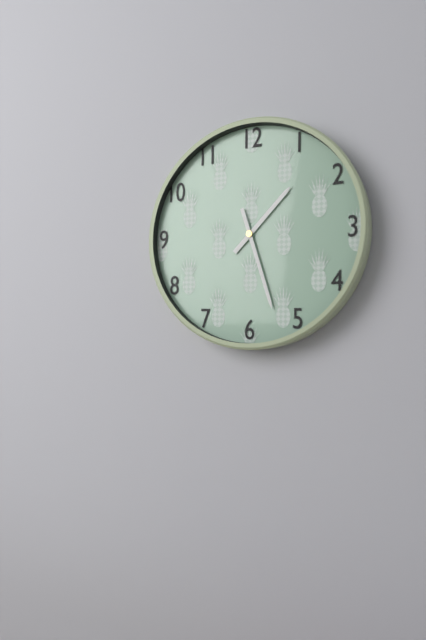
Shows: 1:27
